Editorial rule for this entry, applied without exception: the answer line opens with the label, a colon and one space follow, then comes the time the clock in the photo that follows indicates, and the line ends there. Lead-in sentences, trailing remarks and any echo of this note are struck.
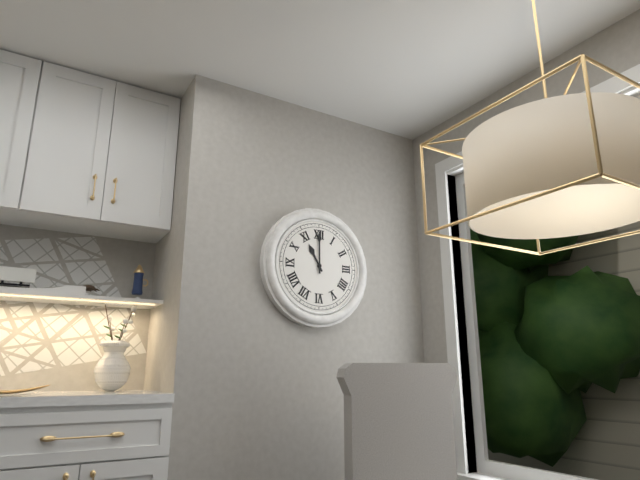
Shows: 11:00
